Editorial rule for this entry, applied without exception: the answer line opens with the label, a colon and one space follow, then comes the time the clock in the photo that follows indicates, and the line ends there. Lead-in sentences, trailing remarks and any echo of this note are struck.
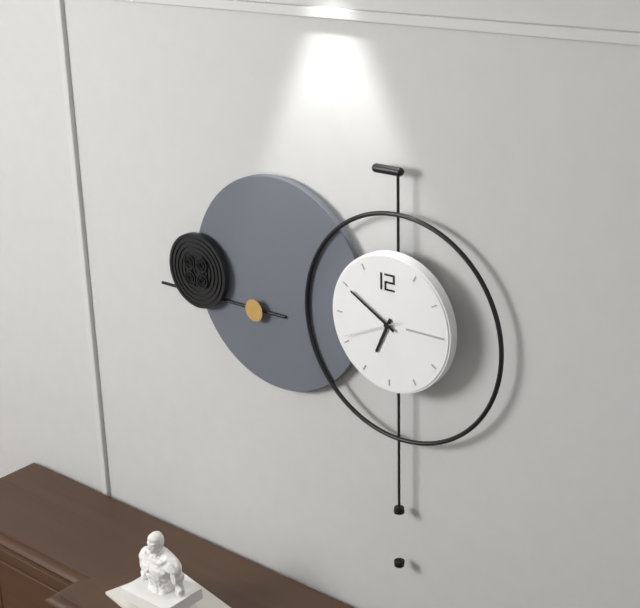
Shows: 6:50:41
